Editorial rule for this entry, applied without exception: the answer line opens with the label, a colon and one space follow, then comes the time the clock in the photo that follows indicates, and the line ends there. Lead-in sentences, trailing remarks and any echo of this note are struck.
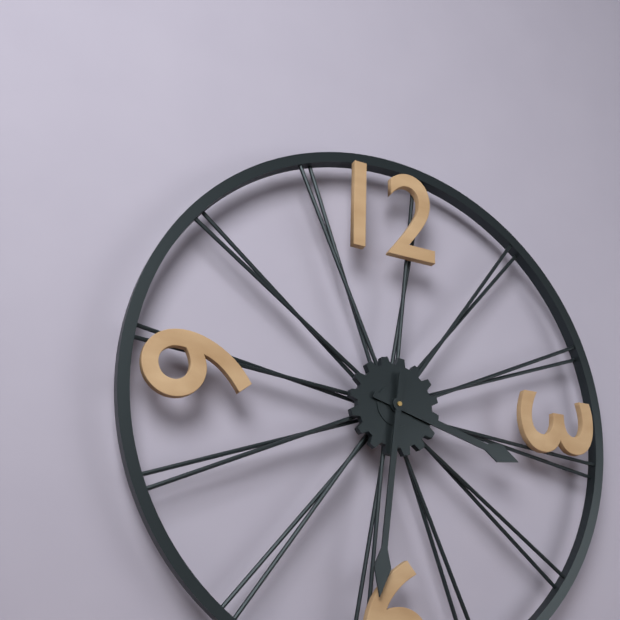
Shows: 3:31
